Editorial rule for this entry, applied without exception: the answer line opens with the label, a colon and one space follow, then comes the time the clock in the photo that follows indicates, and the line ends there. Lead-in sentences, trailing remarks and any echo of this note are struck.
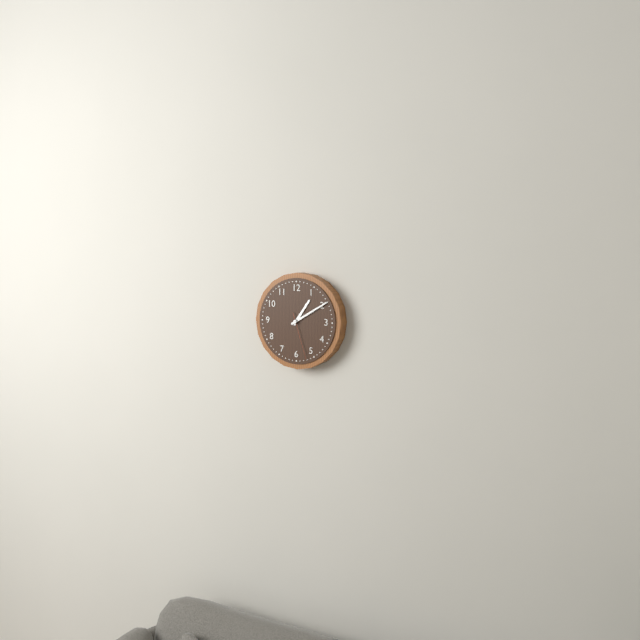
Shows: 1:10
